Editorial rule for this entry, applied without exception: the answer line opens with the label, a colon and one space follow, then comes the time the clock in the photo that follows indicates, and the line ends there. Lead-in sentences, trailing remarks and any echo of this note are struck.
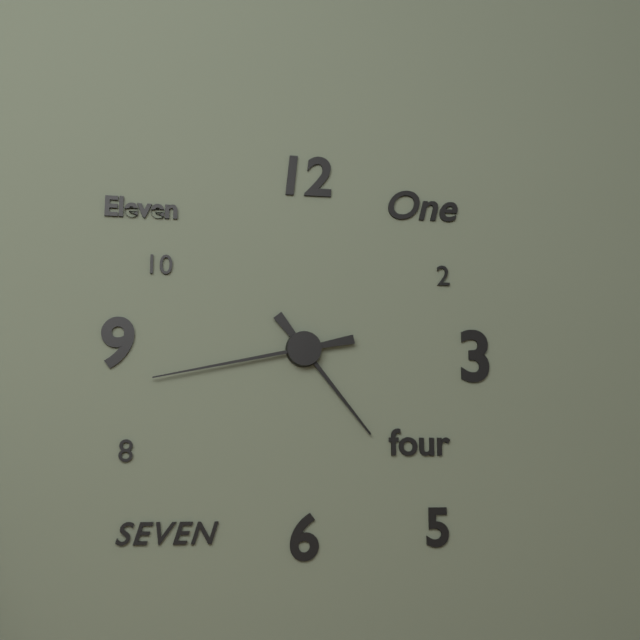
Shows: 4:43
